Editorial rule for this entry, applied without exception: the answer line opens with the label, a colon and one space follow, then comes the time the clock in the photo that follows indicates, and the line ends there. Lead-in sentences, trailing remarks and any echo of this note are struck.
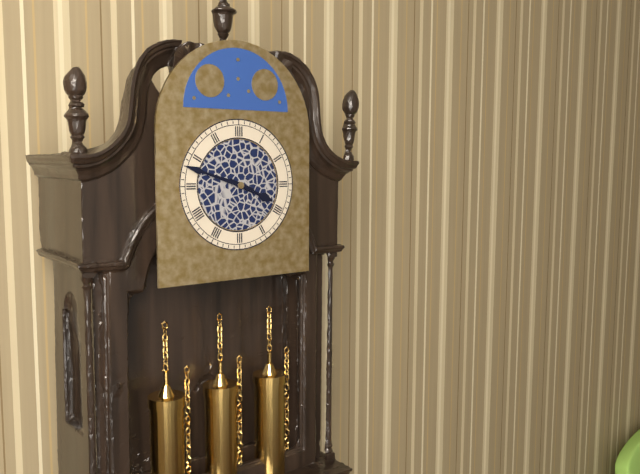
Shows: 3:48
